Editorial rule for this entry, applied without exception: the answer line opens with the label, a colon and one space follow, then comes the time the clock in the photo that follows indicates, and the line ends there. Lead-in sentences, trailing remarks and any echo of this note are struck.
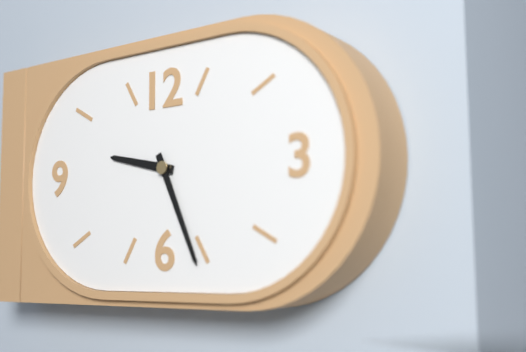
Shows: 9:26
